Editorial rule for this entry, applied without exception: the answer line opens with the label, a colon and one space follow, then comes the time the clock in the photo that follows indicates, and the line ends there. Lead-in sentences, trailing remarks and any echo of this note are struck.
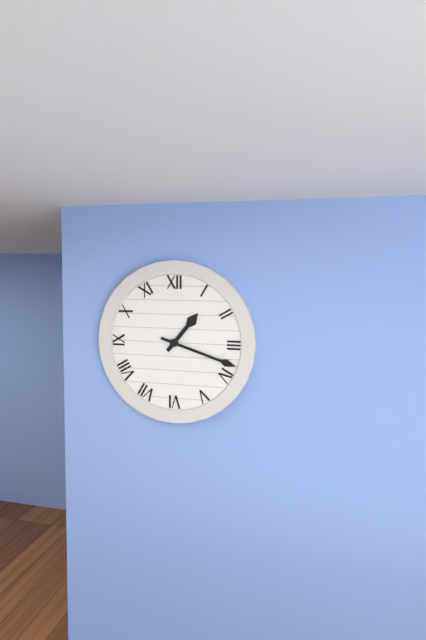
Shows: 1:18
